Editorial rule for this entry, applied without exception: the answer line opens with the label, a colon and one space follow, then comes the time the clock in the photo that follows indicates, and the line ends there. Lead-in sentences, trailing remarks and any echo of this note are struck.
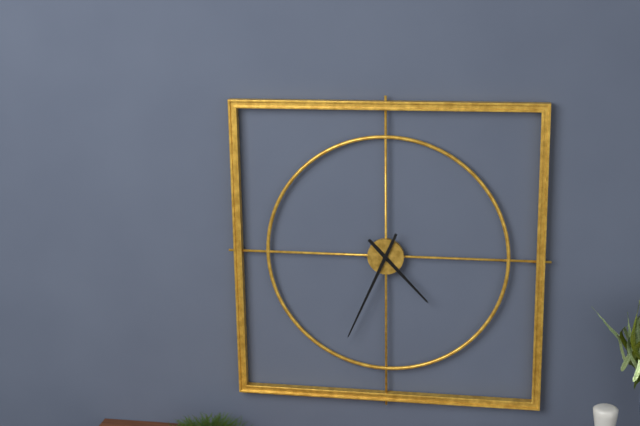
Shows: 4:34
